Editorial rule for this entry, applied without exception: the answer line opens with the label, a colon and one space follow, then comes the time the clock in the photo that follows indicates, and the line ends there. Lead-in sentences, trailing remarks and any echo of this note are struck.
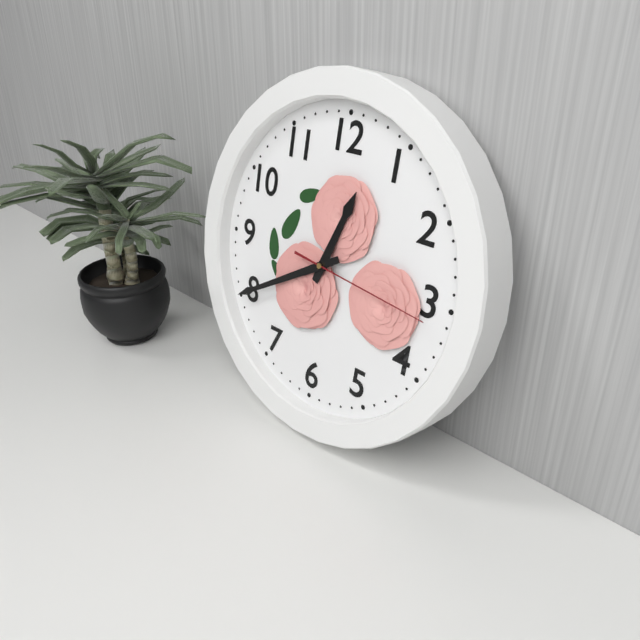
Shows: 12:40:16
